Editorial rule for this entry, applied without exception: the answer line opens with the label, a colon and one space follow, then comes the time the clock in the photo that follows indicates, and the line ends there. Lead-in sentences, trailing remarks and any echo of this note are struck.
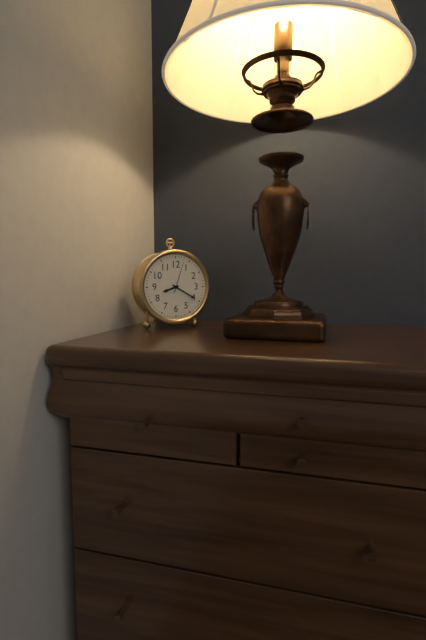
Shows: 8:20
